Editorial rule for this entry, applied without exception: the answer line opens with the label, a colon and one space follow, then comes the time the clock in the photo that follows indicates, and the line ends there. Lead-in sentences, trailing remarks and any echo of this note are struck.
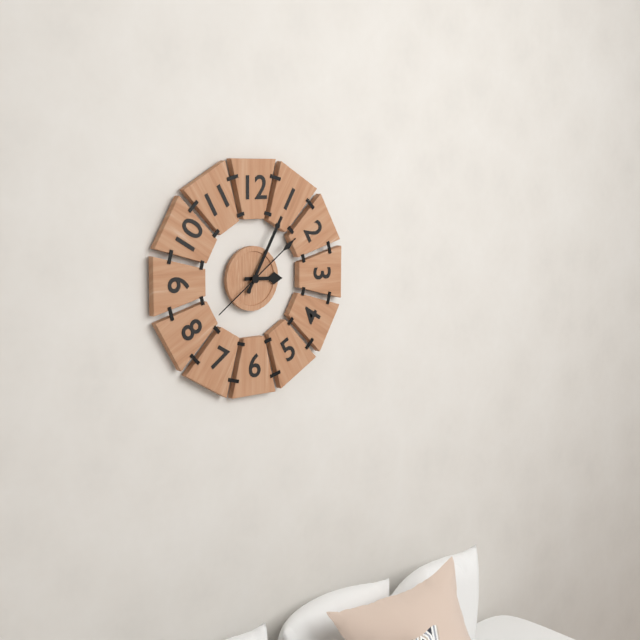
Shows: 3:05:09
